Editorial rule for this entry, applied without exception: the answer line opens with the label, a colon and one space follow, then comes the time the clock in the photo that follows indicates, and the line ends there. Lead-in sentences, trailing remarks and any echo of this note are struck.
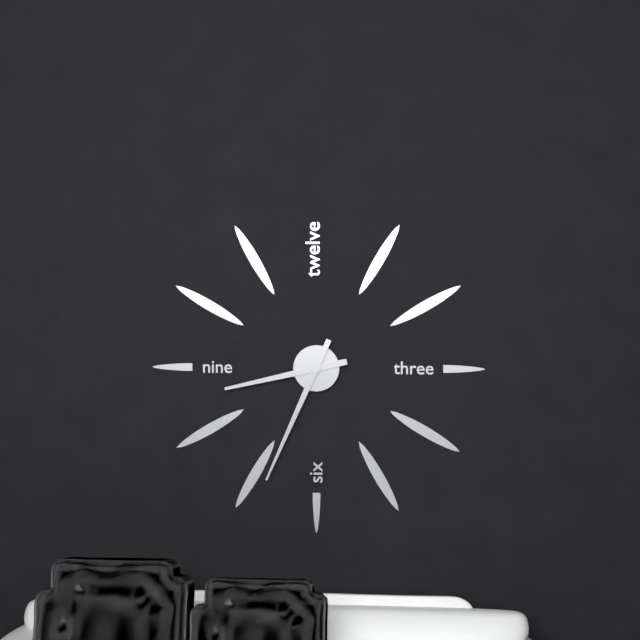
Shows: 8:34
